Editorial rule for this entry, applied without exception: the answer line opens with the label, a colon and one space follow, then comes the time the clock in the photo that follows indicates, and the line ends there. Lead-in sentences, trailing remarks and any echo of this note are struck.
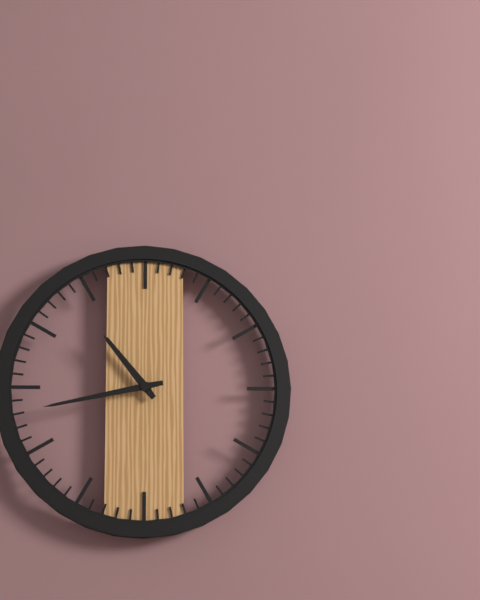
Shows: 10:43
